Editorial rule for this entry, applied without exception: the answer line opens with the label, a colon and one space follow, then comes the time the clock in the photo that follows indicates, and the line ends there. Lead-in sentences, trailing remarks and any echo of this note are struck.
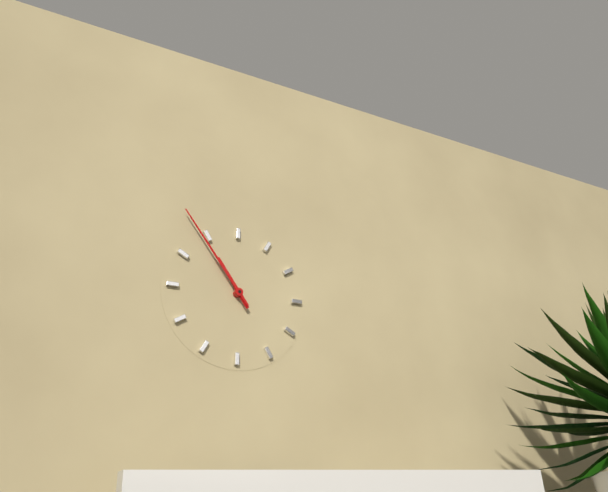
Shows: 10:54
